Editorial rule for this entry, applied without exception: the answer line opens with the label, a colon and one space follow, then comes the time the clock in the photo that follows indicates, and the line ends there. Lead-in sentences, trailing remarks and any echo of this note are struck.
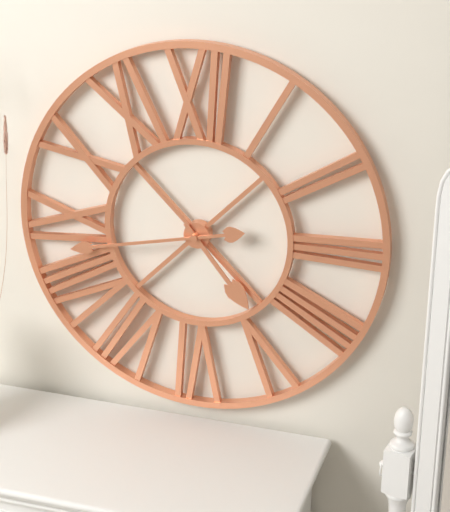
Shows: 4:43
